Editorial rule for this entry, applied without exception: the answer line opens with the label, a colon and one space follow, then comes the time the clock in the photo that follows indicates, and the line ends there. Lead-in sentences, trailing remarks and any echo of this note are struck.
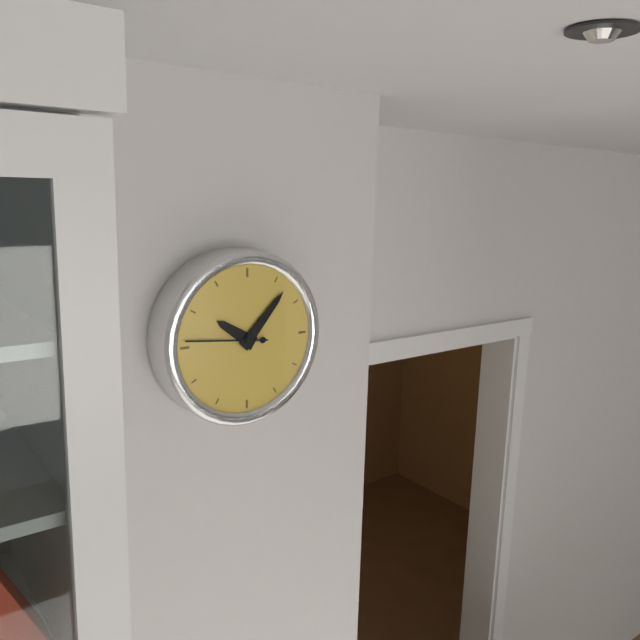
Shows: 10:07:46
